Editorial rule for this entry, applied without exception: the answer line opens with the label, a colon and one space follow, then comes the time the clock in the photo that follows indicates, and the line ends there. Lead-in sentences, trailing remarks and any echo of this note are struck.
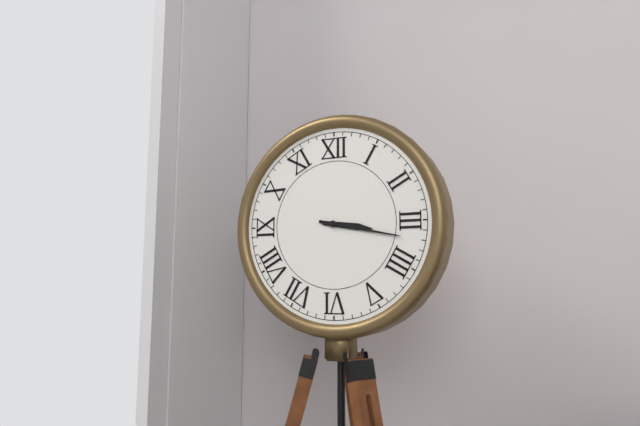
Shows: 3:17
